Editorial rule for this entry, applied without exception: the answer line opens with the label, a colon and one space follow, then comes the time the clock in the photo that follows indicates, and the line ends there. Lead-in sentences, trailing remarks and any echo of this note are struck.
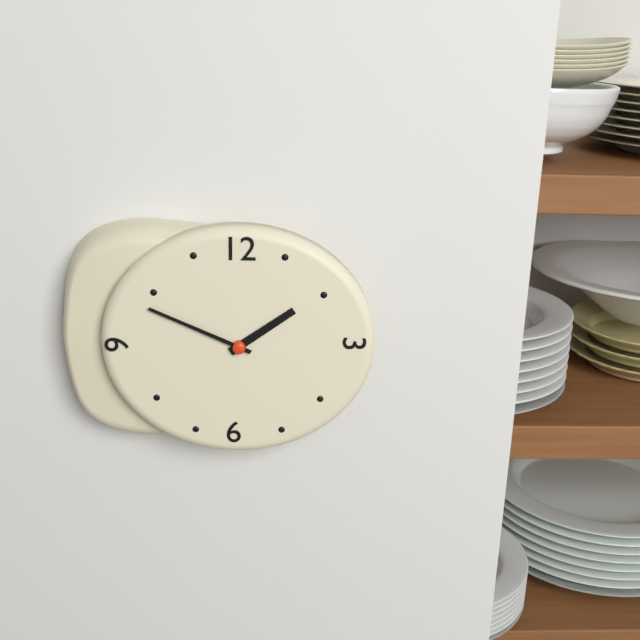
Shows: 1:49
